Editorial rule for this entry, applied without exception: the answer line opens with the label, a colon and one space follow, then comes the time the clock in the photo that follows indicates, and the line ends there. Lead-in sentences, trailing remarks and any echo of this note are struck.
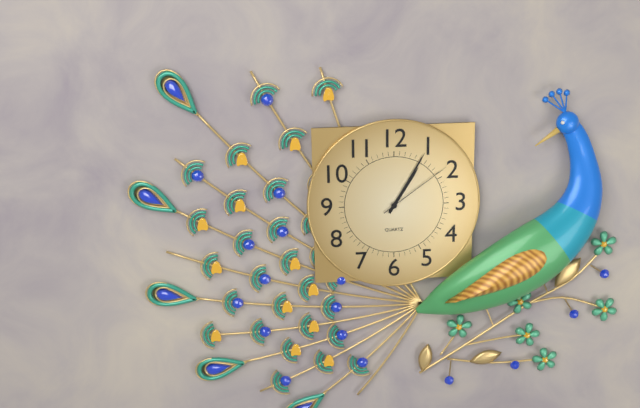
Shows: 1:05:09
